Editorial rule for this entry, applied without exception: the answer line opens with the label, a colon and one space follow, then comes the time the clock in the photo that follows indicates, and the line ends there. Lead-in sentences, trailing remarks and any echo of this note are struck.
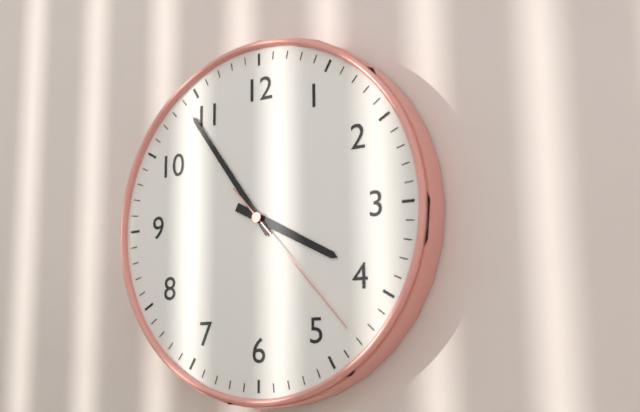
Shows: 3:54:23
